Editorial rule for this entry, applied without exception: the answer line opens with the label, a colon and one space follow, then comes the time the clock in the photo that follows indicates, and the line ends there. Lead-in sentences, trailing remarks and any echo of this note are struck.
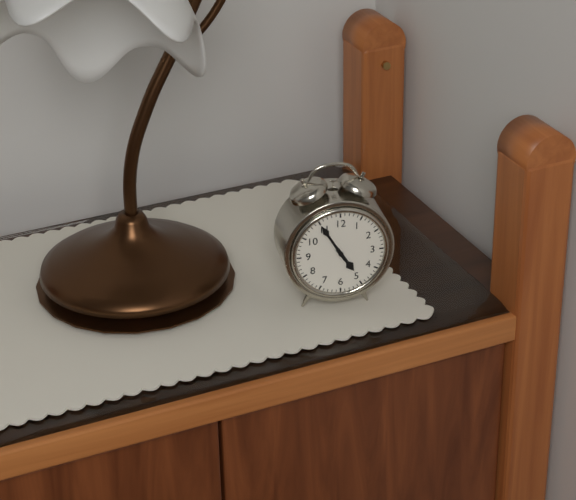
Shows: 4:55
